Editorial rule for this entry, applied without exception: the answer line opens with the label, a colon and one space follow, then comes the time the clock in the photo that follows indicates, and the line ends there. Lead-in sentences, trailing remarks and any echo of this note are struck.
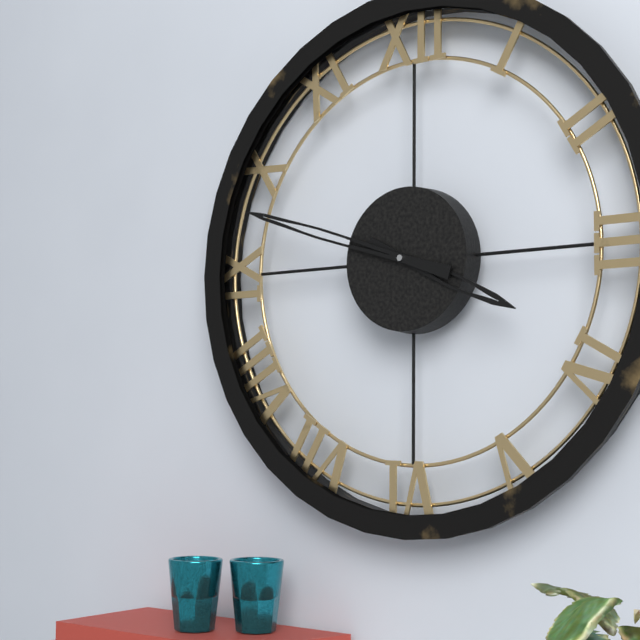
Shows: 3:48
